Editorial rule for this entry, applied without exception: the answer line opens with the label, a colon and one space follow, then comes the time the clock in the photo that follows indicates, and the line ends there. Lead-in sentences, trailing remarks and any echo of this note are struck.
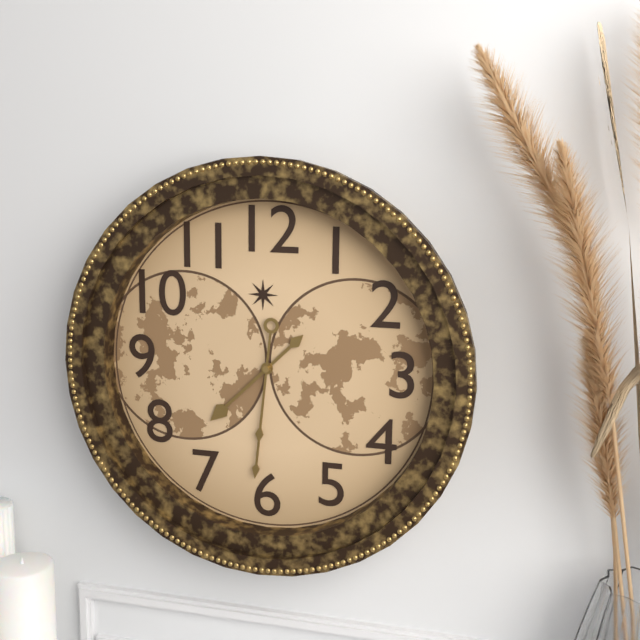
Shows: 7:31
